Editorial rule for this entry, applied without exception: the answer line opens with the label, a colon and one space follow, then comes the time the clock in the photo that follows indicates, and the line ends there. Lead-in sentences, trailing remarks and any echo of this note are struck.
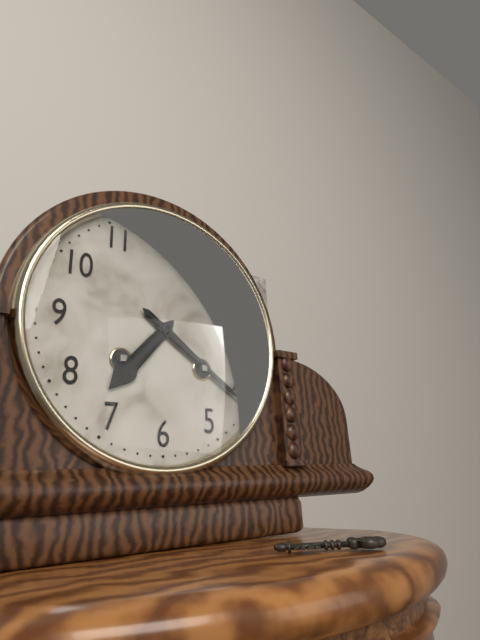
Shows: 7:21
